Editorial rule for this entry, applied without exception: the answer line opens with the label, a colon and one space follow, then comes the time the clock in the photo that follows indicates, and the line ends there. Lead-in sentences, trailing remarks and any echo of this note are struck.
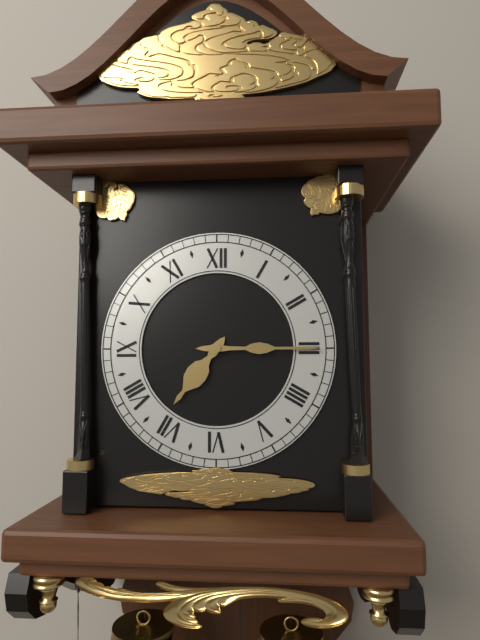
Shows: 7:15
